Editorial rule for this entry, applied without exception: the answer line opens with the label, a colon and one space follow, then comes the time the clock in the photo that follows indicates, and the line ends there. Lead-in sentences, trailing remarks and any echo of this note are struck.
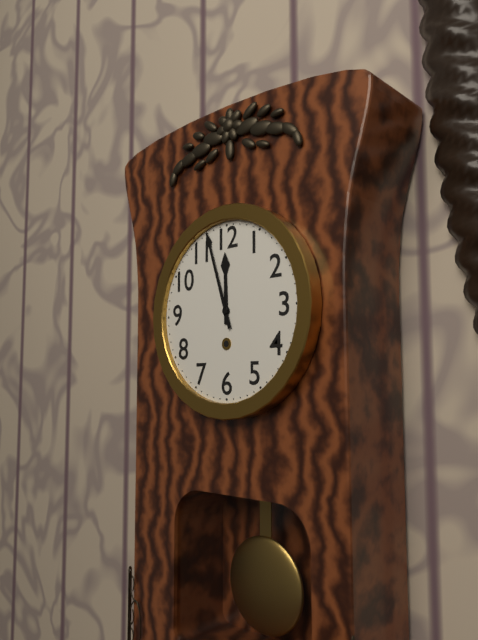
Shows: 11:57
